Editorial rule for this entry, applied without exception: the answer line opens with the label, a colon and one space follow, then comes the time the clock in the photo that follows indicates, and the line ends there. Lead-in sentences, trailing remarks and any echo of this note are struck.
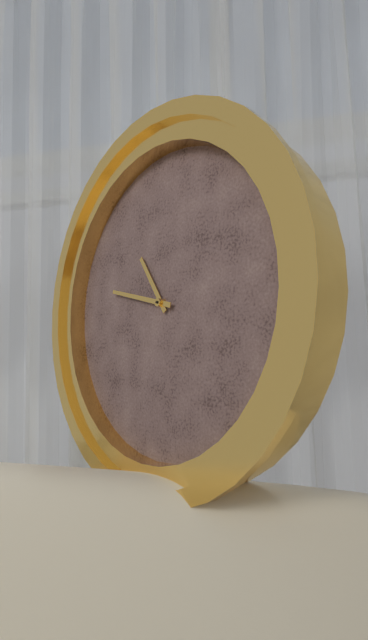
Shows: 10:47
